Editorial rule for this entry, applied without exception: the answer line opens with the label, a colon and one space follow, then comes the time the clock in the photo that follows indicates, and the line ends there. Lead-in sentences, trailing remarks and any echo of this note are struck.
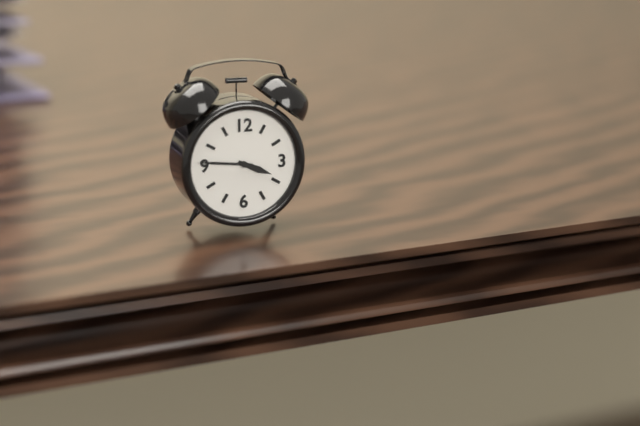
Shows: 3:46
